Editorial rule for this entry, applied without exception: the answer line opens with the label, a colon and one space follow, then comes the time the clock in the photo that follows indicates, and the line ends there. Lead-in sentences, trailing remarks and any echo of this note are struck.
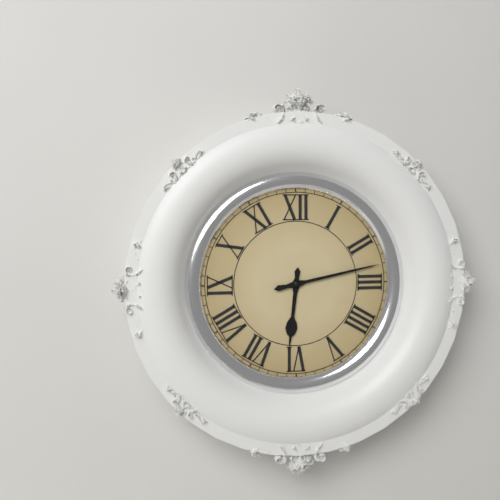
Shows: 6:13
